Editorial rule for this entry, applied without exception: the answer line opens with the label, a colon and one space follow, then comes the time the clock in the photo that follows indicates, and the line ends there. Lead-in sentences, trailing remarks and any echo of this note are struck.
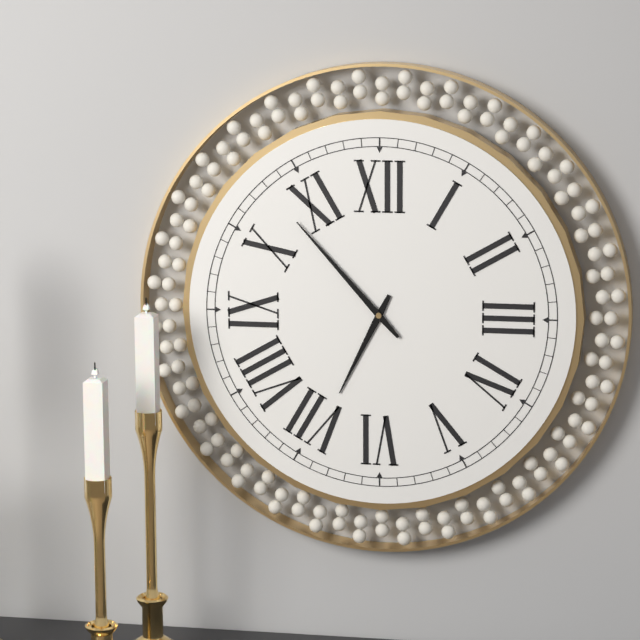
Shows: 6:53
